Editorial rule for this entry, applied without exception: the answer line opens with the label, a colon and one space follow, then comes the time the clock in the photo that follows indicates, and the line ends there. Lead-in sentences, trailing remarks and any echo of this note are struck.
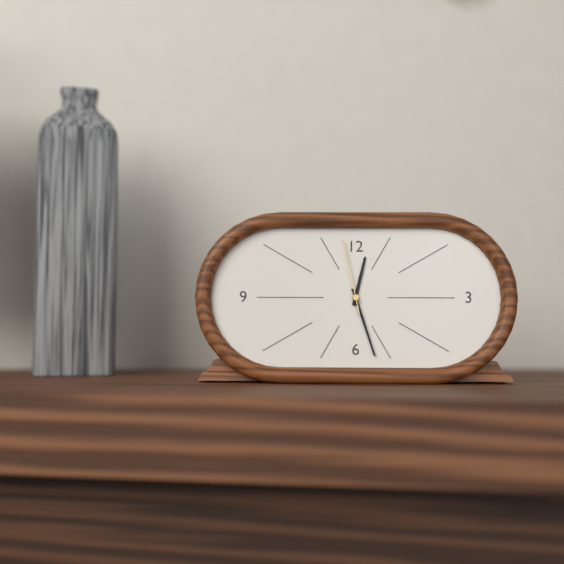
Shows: 12:27:58
